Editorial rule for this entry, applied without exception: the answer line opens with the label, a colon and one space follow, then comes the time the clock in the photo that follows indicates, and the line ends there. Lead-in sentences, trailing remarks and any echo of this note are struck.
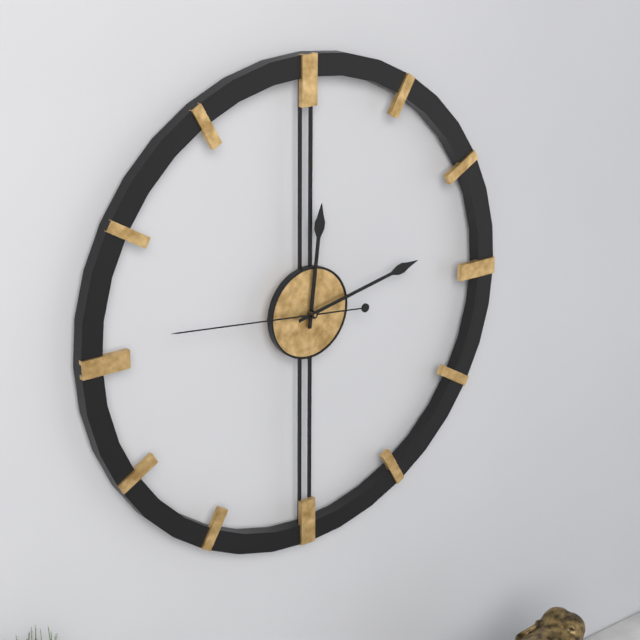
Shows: 12:13:46
